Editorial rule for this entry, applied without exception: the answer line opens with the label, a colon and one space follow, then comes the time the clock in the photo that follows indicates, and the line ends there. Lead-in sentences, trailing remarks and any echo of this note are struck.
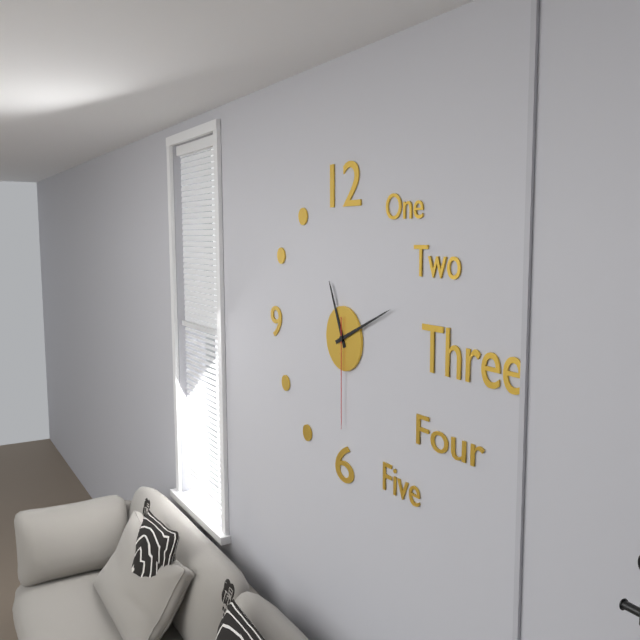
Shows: 11:11:30
